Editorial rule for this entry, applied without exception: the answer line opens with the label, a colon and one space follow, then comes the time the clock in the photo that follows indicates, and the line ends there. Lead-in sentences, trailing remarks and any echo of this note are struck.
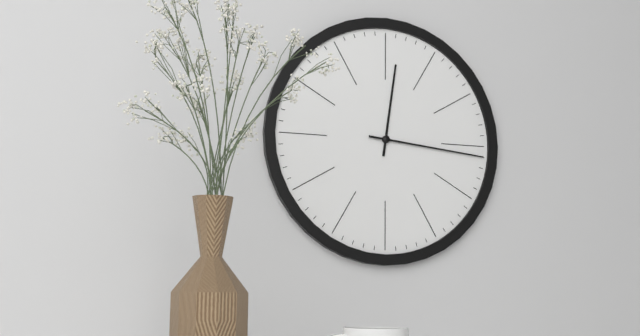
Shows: 12:16
